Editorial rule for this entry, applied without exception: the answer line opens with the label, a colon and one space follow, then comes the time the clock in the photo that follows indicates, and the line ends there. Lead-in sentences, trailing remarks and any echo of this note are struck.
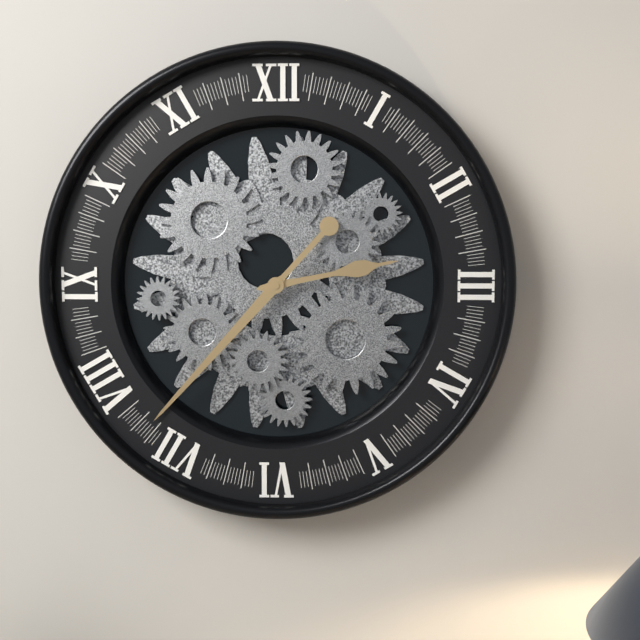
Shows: 2:37
